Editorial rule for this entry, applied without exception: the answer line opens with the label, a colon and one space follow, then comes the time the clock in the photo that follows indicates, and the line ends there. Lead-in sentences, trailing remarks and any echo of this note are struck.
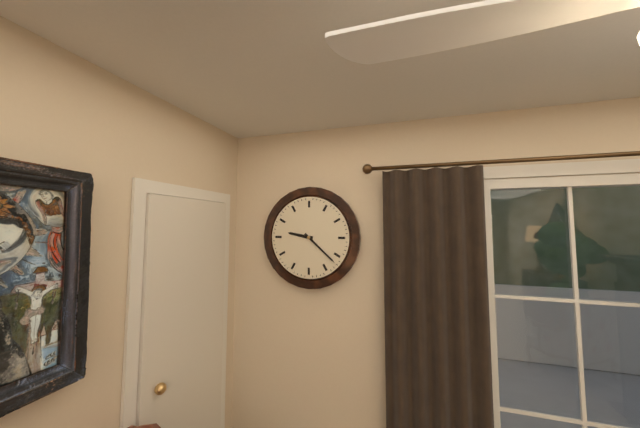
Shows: 9:22
